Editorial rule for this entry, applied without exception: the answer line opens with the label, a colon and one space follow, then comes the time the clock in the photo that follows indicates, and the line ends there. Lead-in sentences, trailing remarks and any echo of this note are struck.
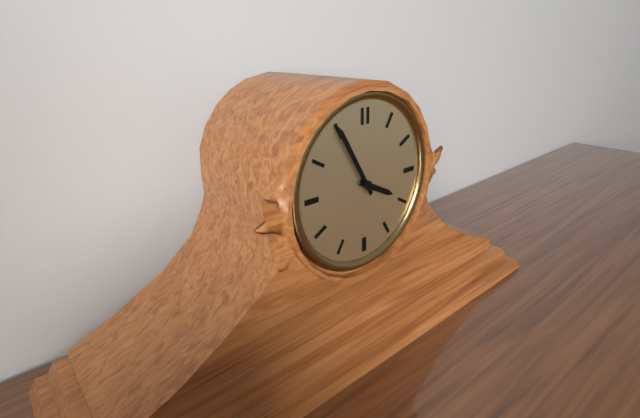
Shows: 3:55
